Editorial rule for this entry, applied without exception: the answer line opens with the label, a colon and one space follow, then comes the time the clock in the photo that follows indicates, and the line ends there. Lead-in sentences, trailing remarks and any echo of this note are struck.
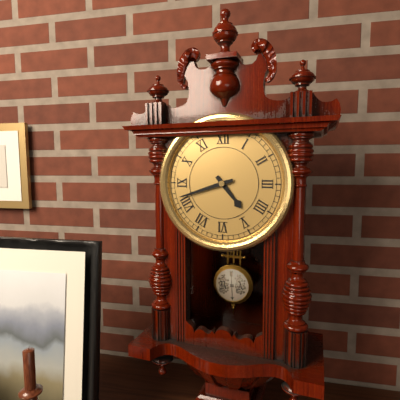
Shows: 4:42
